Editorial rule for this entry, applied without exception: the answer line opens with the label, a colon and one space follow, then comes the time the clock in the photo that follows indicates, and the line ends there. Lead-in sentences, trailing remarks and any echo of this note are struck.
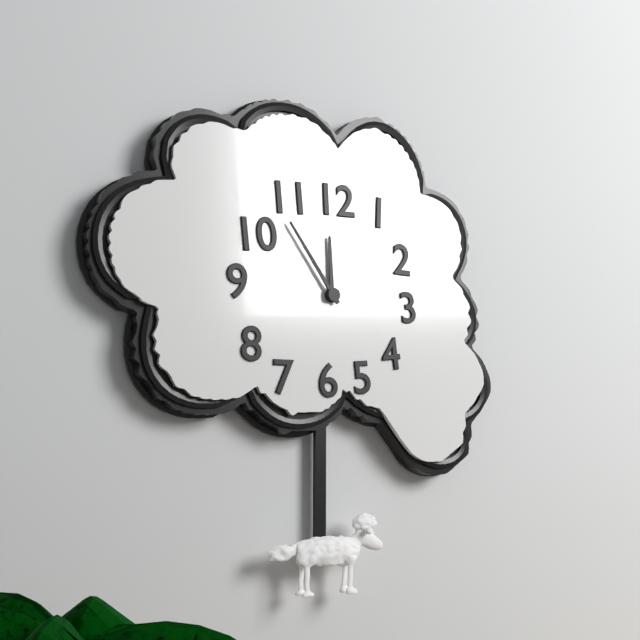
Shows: 11:54
